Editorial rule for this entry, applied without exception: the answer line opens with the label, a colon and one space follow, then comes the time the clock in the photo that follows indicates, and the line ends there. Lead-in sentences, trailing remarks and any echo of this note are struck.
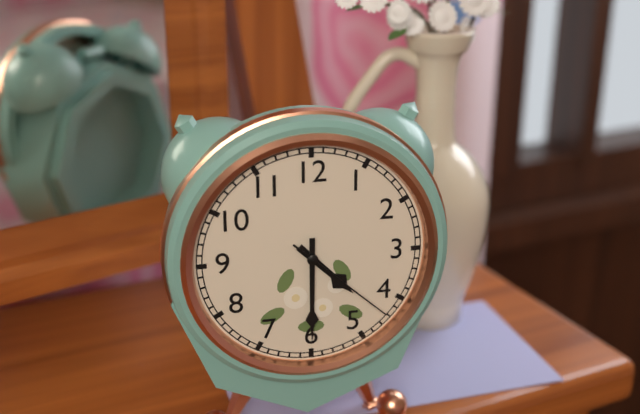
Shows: 4:30:22
